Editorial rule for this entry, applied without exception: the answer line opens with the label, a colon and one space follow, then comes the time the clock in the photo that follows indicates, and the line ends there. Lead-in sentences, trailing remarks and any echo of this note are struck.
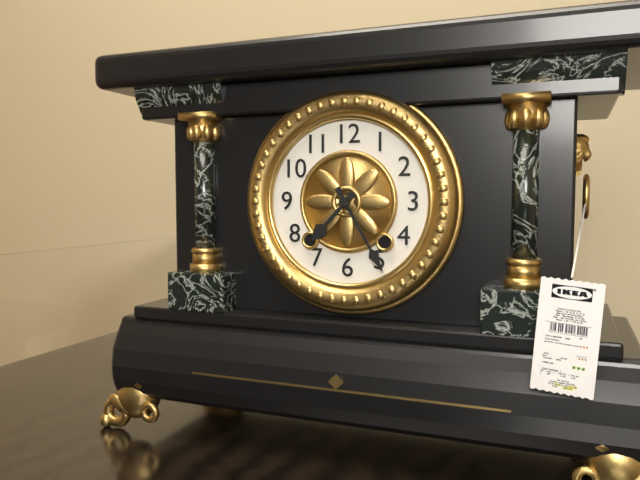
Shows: 7:25
